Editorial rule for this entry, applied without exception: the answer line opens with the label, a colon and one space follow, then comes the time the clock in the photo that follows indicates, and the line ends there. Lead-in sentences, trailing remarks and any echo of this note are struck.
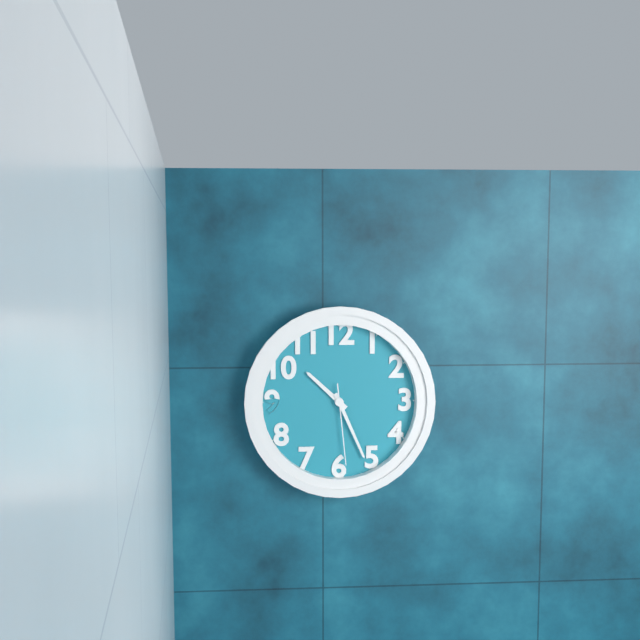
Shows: 10:26:29
